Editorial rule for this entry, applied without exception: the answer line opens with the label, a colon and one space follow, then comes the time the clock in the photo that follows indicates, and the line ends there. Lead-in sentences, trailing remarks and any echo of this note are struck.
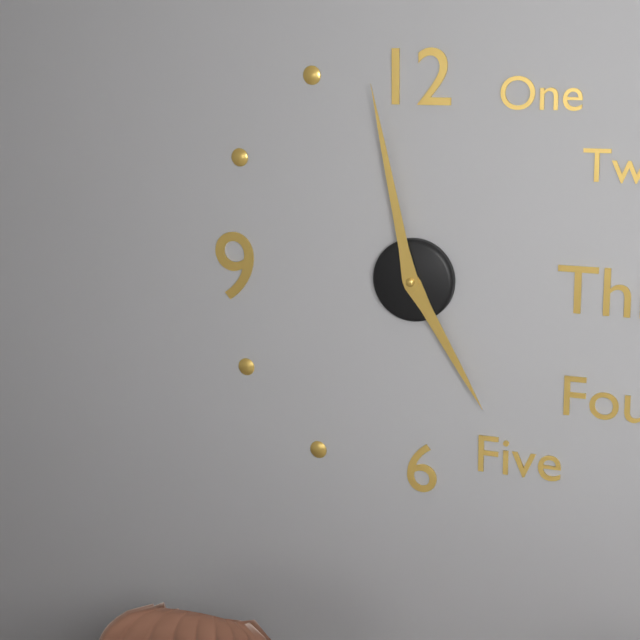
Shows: 4:58
